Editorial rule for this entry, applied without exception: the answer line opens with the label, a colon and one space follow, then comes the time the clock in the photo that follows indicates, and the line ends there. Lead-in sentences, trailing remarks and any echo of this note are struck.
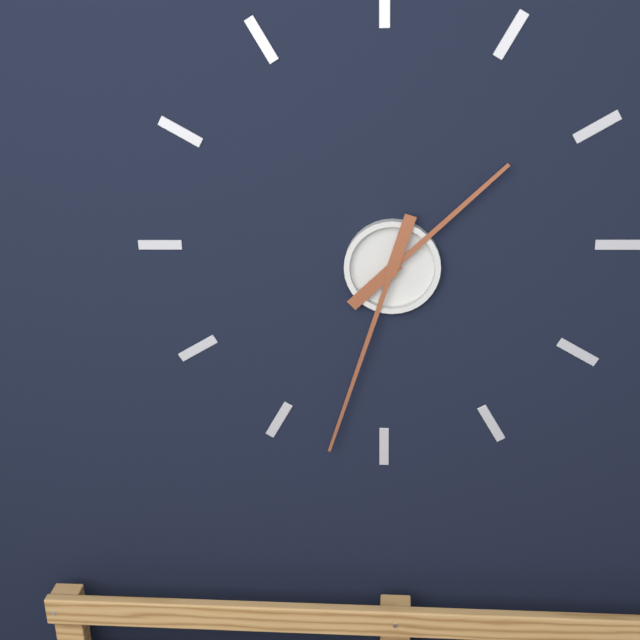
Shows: 1:33
